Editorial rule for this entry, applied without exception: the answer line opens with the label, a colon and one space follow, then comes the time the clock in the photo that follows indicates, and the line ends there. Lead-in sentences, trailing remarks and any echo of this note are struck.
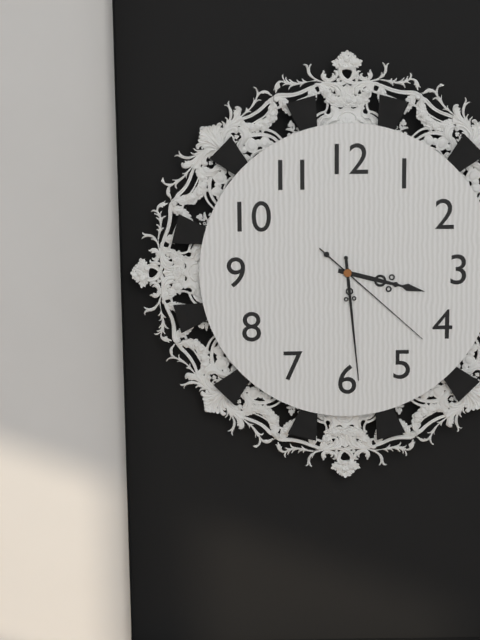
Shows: 3:29:22
